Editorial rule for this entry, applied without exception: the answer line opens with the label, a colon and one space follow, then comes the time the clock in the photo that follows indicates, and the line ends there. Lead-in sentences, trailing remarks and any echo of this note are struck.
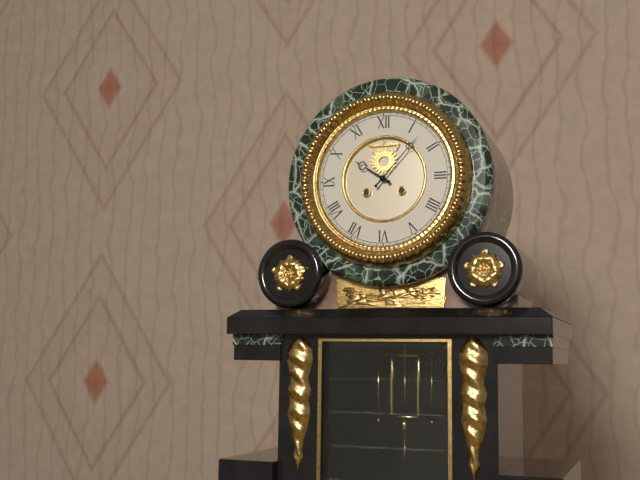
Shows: 10:07
